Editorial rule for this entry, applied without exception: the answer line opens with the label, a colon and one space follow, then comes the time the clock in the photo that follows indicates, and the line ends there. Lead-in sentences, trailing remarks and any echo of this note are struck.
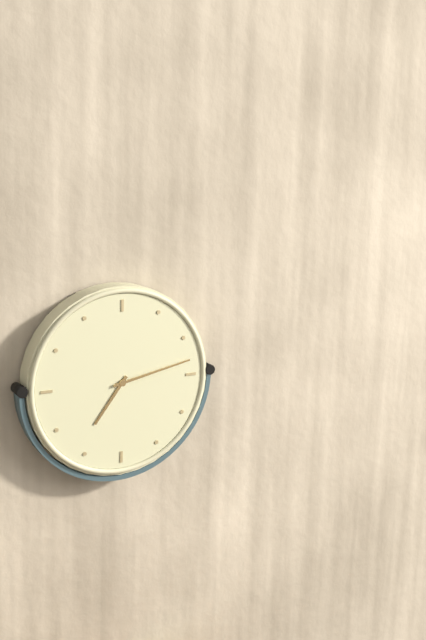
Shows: 7:13
